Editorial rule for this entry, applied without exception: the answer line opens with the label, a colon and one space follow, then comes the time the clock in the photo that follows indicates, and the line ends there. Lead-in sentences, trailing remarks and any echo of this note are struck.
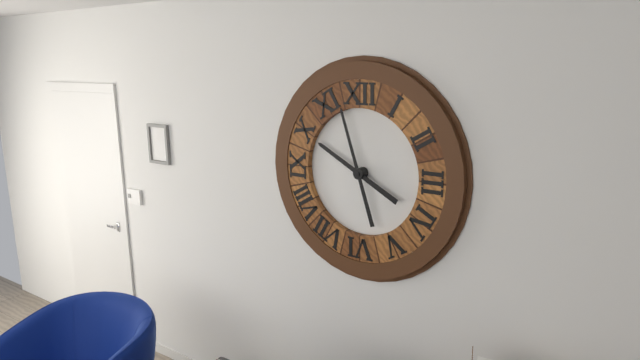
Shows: 9:57
